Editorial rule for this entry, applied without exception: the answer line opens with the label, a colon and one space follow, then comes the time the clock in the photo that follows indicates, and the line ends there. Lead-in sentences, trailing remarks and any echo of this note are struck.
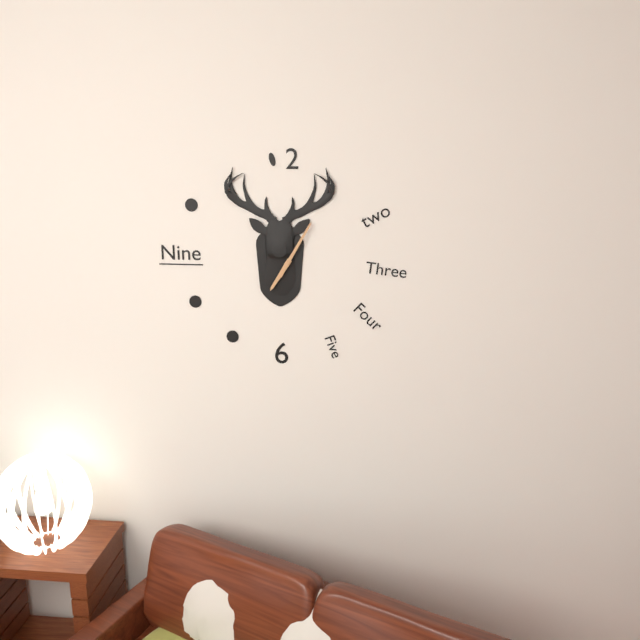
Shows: 7:05
